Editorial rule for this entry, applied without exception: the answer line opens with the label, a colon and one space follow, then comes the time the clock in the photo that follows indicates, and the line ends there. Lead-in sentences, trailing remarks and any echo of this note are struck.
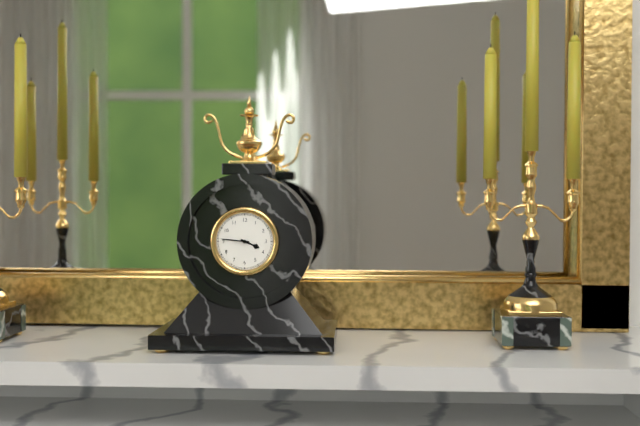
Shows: 3:46
